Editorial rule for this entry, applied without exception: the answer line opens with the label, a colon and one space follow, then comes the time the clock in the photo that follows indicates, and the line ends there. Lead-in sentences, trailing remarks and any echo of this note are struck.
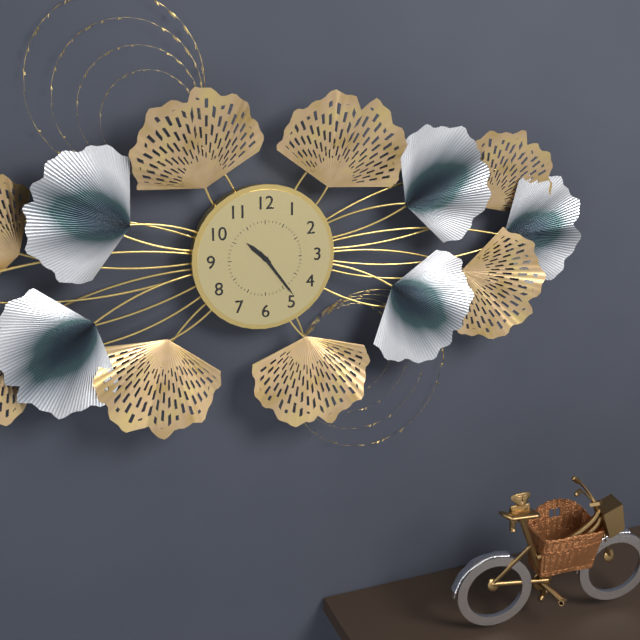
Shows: 10:24
